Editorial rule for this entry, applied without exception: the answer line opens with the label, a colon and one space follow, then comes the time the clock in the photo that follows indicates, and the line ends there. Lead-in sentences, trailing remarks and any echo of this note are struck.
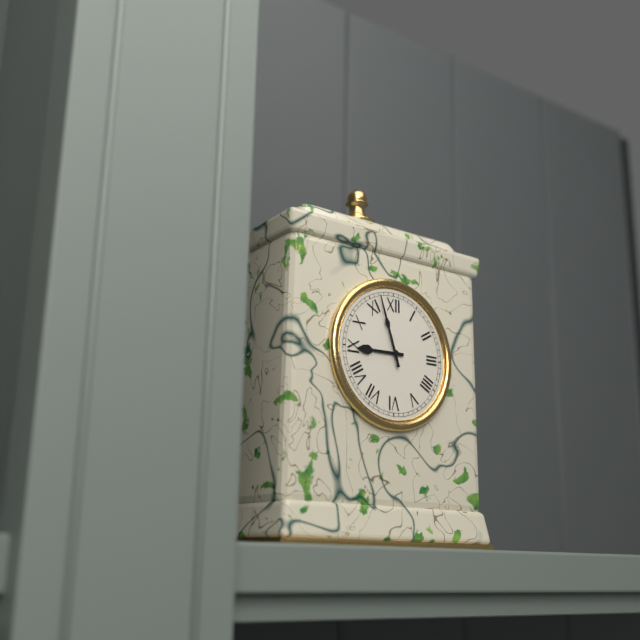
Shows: 8:57
